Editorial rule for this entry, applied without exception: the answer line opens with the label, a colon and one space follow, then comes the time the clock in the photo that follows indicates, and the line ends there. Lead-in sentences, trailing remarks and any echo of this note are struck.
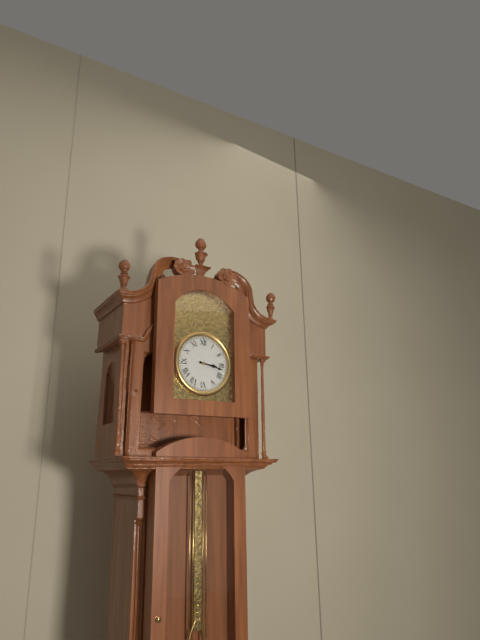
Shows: 3:17
